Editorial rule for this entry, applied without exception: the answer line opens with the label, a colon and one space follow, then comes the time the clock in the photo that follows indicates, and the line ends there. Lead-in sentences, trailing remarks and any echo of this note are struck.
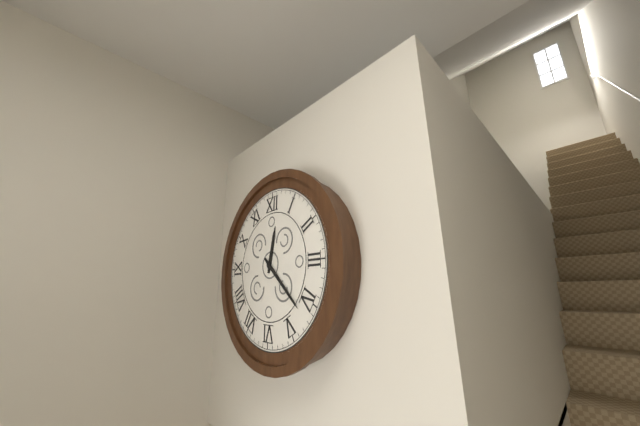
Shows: 12:22
